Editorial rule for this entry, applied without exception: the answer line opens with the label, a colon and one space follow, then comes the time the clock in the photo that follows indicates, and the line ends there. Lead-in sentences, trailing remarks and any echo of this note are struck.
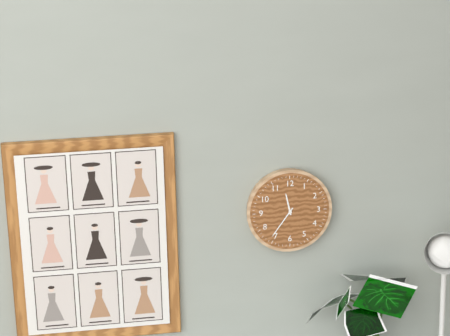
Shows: 11:36
